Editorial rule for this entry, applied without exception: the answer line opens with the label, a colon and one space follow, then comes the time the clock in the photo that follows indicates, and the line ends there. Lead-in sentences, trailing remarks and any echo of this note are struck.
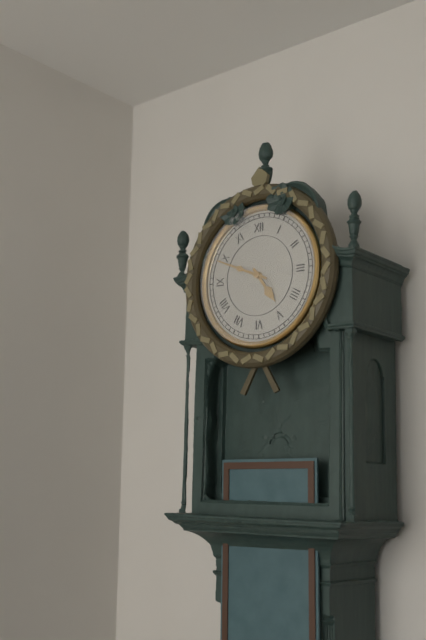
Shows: 4:49
